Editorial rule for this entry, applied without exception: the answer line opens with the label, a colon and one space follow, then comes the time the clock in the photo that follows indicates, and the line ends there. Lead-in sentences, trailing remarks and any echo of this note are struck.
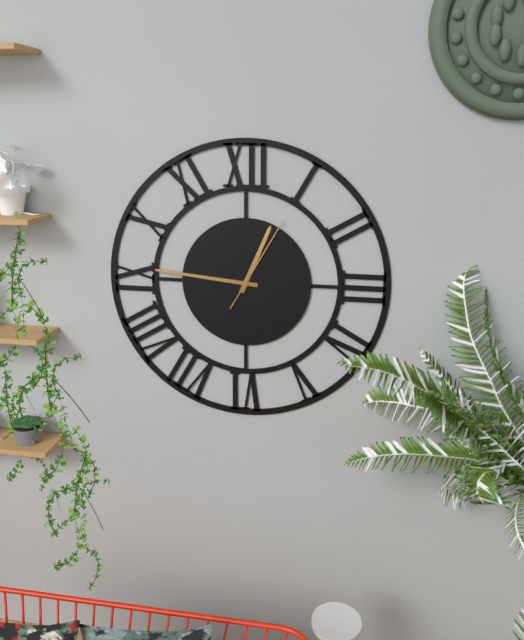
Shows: 12:46:05
